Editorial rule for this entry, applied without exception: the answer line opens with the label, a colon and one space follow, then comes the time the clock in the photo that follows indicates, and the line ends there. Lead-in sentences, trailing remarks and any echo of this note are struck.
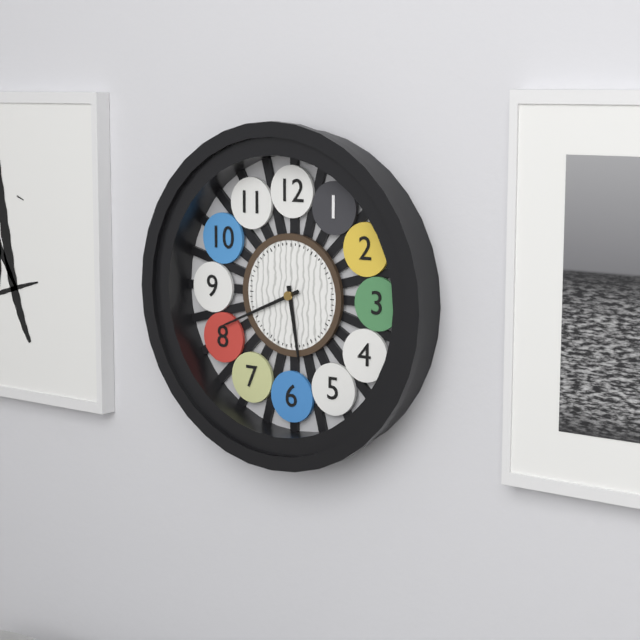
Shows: 5:41
